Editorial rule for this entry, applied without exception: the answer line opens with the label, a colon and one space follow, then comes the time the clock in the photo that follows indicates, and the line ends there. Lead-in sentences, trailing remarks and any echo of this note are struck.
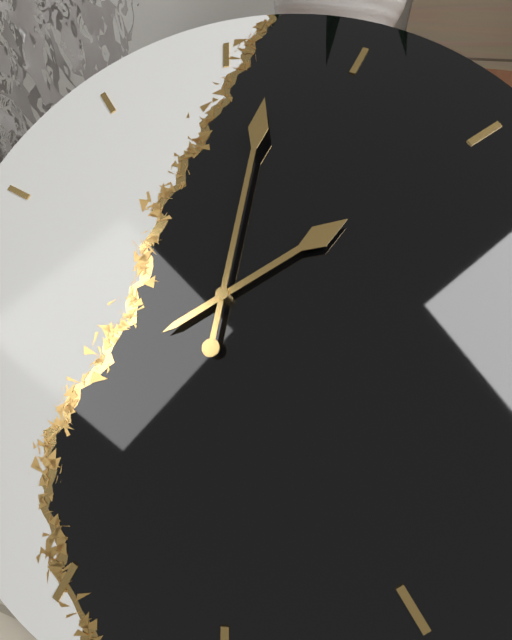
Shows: 2:02
